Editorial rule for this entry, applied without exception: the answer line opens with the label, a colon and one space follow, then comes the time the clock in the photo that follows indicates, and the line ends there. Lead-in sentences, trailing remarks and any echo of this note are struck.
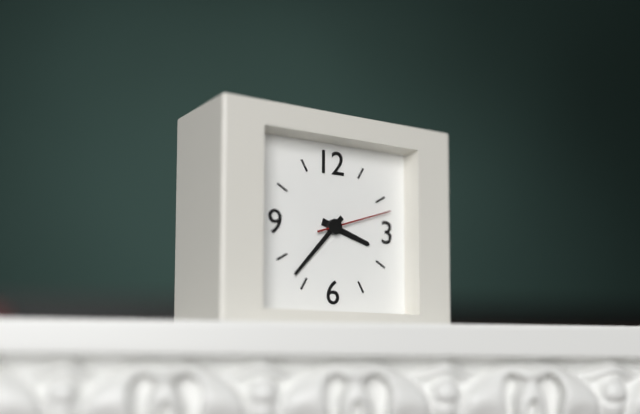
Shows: 3:37:12
